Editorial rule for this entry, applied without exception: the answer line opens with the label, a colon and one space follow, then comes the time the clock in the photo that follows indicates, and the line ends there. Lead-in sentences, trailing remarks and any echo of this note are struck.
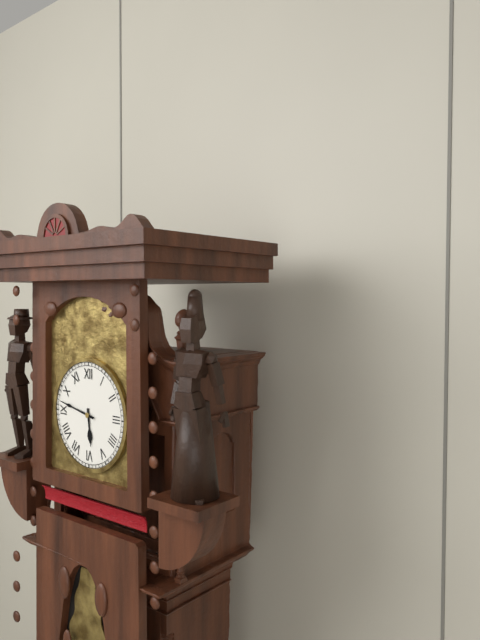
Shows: 5:47
